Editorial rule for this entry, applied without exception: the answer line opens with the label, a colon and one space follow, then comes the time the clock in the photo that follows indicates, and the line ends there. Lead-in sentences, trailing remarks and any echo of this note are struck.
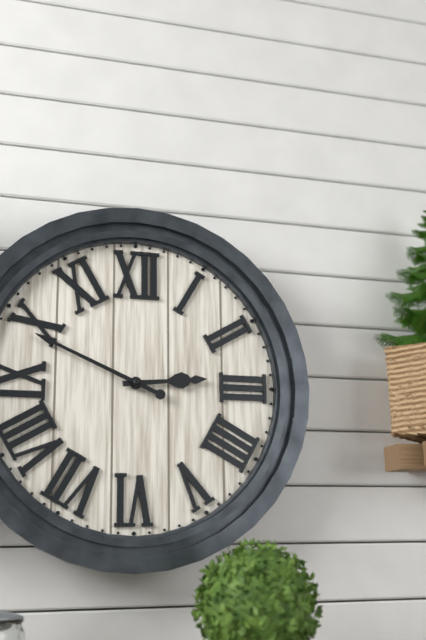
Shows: 2:49
